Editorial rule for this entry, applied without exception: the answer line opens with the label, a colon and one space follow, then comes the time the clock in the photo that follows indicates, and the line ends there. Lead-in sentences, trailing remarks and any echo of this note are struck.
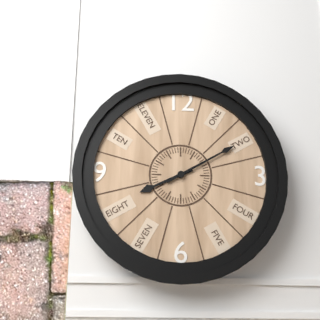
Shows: 8:10
